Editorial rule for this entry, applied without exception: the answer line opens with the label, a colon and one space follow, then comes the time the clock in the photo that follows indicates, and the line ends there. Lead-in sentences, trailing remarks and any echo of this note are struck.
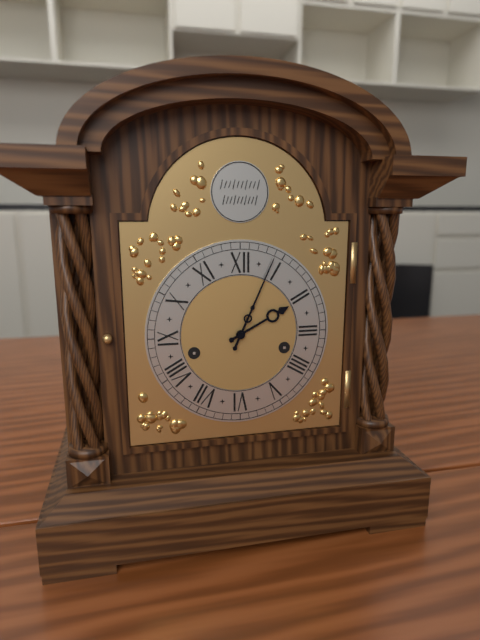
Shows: 2:04
